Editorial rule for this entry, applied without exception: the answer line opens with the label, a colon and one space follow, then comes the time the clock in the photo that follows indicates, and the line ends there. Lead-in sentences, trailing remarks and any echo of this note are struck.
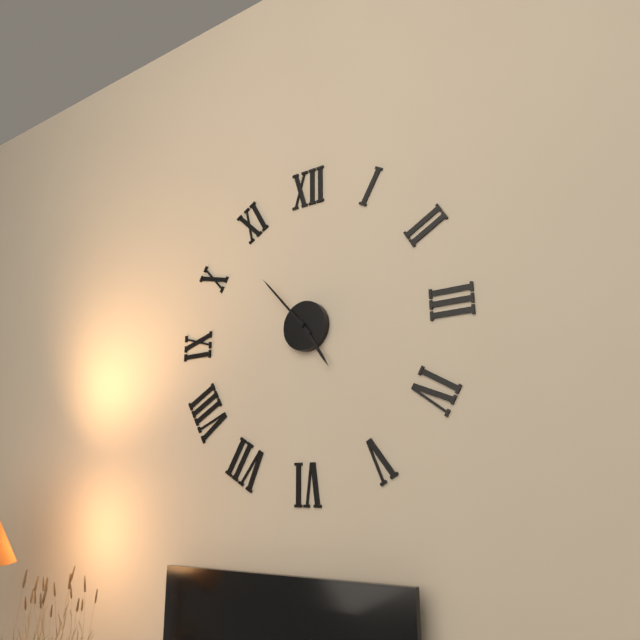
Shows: 4:53
